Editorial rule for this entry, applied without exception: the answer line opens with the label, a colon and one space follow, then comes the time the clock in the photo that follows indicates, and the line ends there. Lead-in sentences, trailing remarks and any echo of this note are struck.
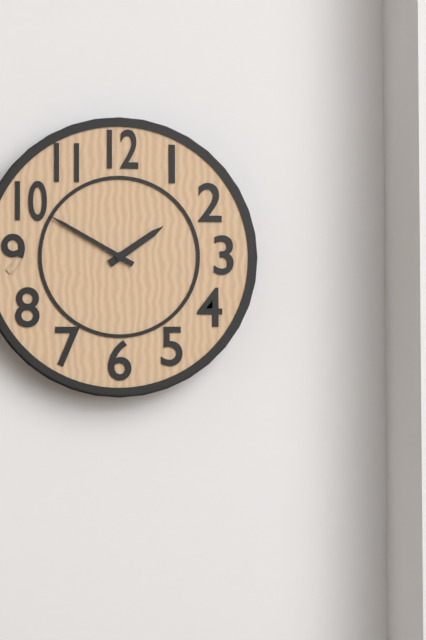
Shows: 1:50
